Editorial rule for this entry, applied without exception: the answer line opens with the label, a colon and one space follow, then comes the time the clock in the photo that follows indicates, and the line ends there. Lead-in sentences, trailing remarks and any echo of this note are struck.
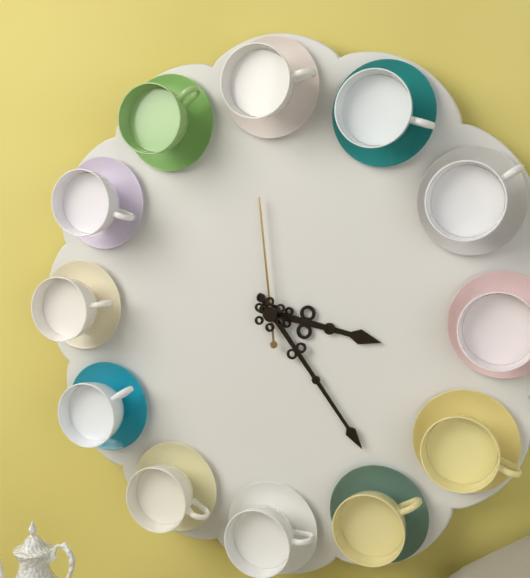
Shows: 3:24:59
